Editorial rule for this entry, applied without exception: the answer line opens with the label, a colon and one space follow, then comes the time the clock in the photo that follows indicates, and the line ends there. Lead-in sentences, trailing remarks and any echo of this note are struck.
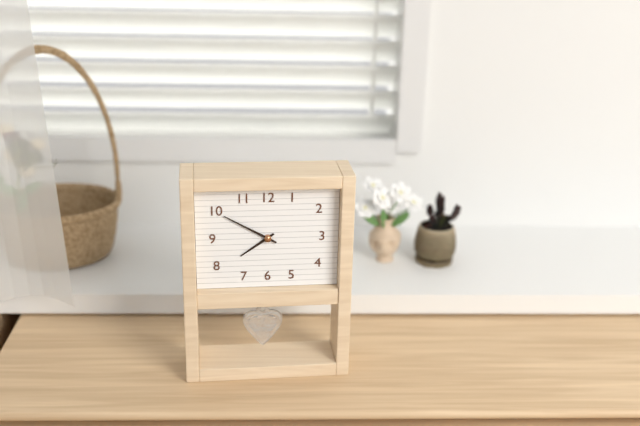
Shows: 7:50
